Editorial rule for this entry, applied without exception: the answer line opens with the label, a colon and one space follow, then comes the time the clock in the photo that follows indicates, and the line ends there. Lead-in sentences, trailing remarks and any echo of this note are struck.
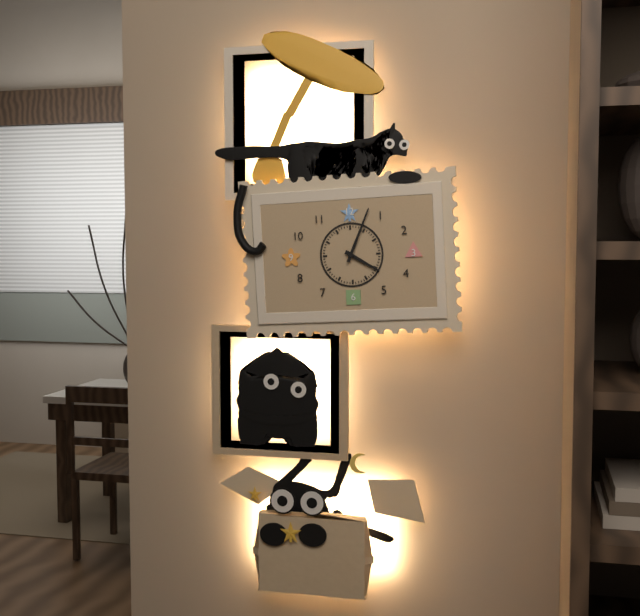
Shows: 4:04
